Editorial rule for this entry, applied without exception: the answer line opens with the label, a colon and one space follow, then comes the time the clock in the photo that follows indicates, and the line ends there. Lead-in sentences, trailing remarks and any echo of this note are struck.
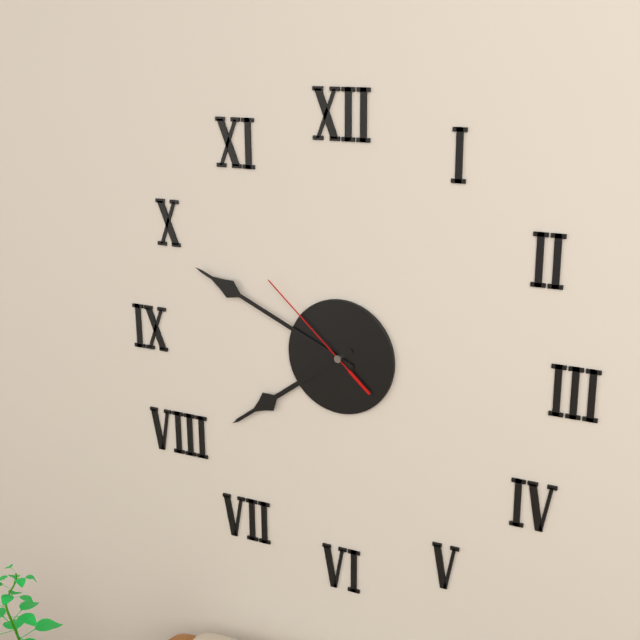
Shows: 7:49:52
